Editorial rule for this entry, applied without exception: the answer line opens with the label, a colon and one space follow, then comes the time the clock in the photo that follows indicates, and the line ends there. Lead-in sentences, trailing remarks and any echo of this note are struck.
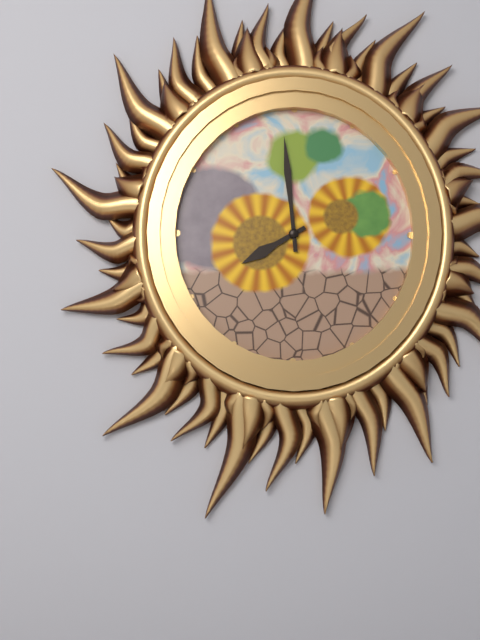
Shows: 7:59
